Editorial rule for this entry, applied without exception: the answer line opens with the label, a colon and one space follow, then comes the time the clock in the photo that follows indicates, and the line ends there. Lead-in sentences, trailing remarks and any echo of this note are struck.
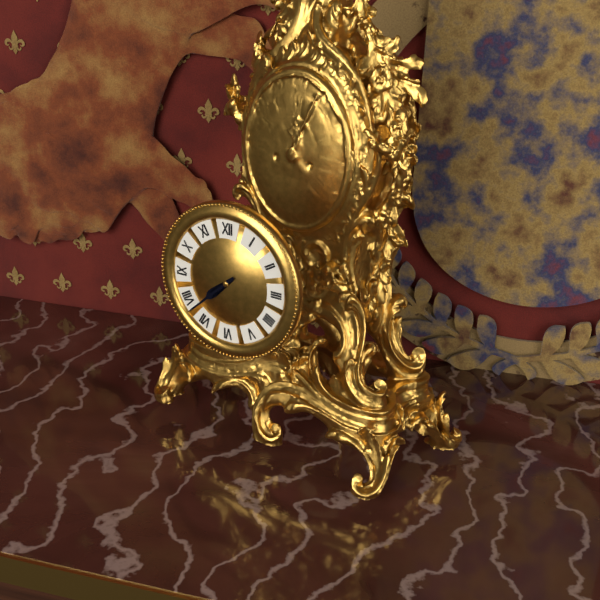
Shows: 7:38
